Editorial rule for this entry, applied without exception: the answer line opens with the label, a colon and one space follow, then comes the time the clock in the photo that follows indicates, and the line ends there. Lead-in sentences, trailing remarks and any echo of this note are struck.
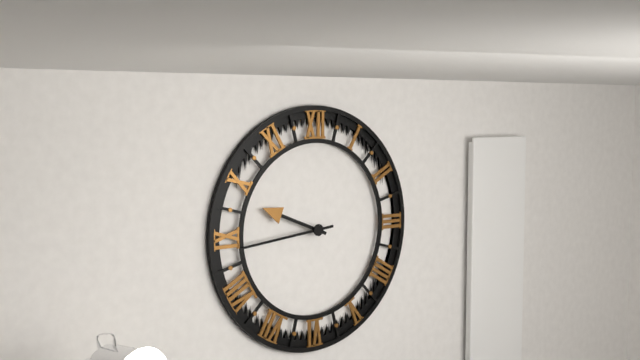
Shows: 9:44
